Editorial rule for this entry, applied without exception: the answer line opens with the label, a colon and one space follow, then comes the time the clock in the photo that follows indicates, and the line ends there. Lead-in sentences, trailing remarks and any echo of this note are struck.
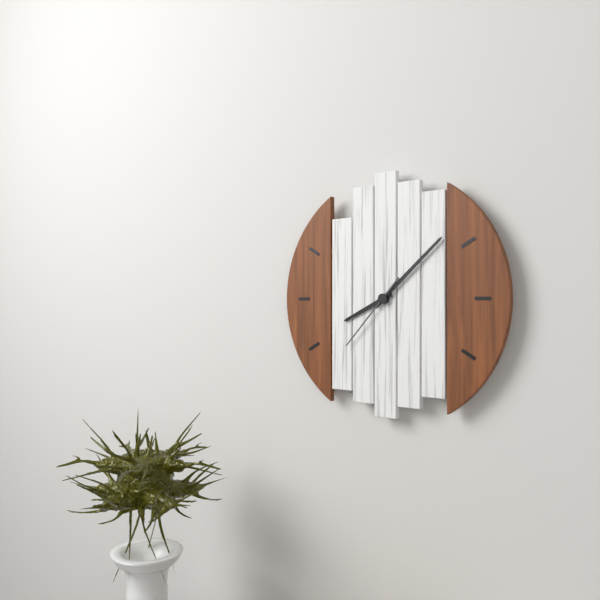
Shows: 8:08:37
